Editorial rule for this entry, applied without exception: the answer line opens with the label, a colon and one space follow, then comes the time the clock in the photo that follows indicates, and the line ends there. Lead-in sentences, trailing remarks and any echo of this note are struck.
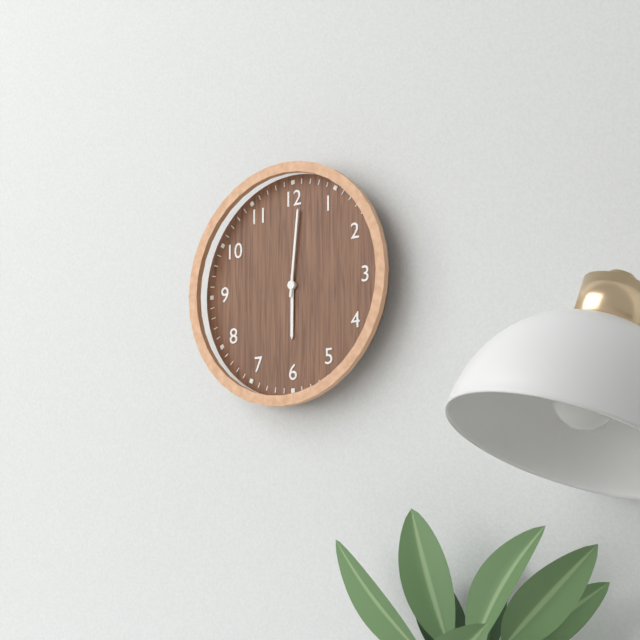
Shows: 6:01
